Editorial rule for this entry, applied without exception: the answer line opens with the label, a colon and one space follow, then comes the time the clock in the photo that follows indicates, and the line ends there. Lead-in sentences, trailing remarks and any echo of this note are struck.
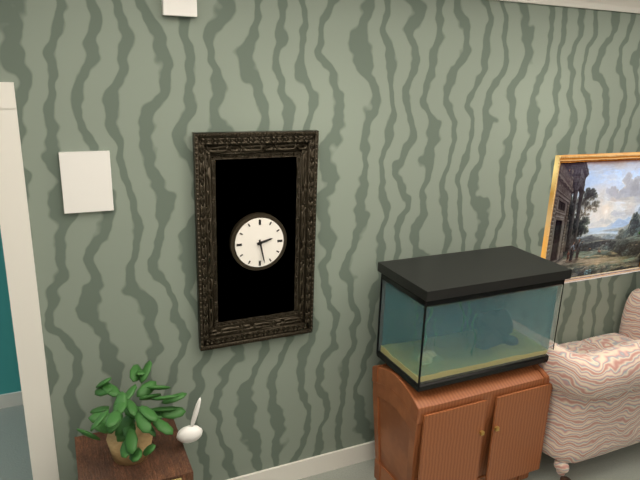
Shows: 2:28
